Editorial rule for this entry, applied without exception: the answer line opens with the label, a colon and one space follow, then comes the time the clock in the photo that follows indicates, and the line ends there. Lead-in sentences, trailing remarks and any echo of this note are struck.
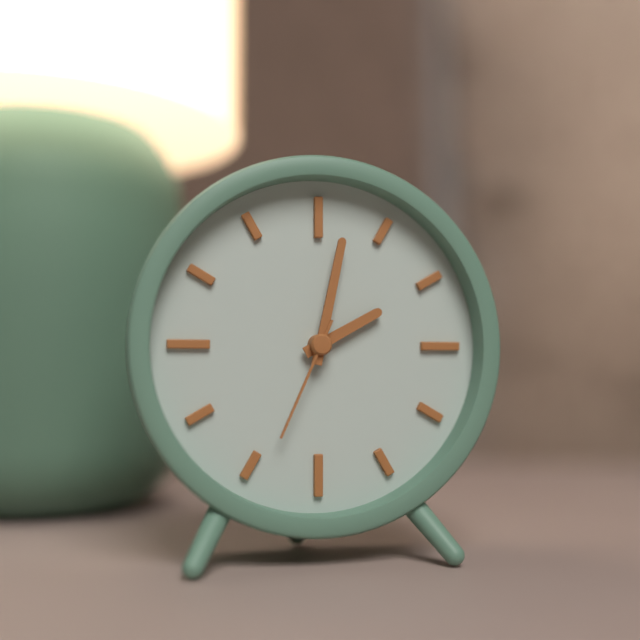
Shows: 2:02:34
